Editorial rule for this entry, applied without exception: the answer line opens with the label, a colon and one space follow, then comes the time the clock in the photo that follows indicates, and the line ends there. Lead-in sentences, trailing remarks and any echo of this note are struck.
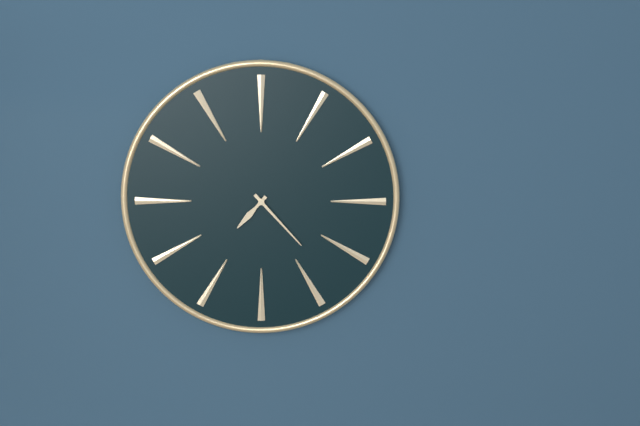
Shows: 7:23
